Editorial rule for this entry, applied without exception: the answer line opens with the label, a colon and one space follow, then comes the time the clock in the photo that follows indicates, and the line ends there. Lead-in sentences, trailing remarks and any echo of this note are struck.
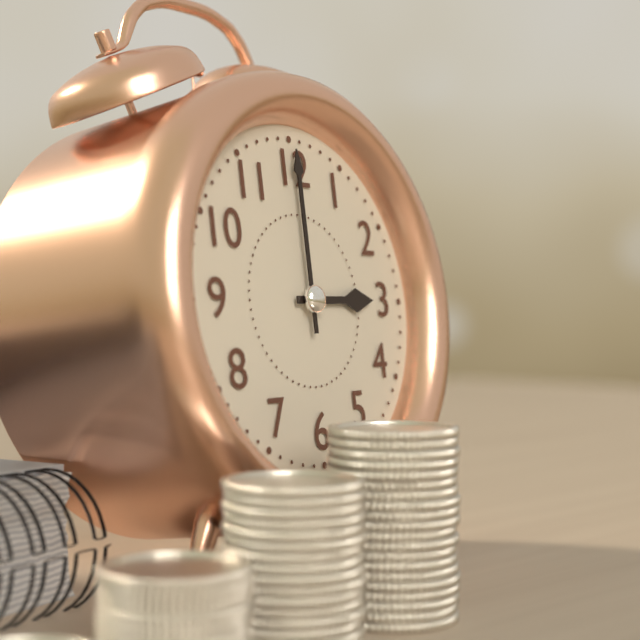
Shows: 3:00
